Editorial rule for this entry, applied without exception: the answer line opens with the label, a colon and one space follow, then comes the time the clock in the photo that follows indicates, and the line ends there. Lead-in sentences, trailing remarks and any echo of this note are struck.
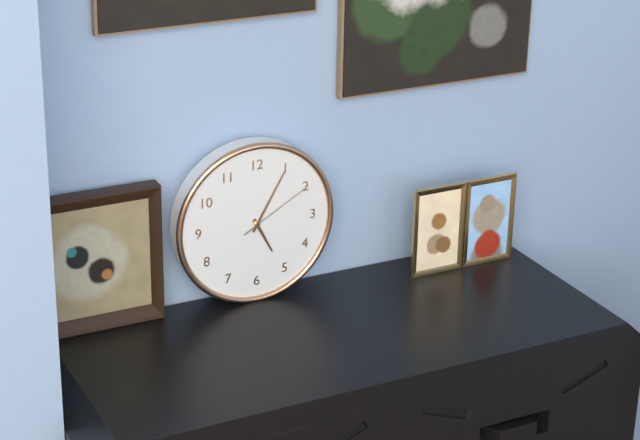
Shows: 5:05:10
